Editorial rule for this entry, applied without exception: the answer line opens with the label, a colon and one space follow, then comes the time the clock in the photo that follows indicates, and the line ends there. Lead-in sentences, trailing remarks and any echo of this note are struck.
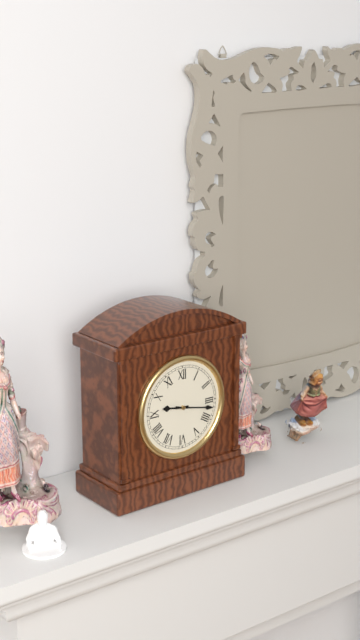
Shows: 9:17
